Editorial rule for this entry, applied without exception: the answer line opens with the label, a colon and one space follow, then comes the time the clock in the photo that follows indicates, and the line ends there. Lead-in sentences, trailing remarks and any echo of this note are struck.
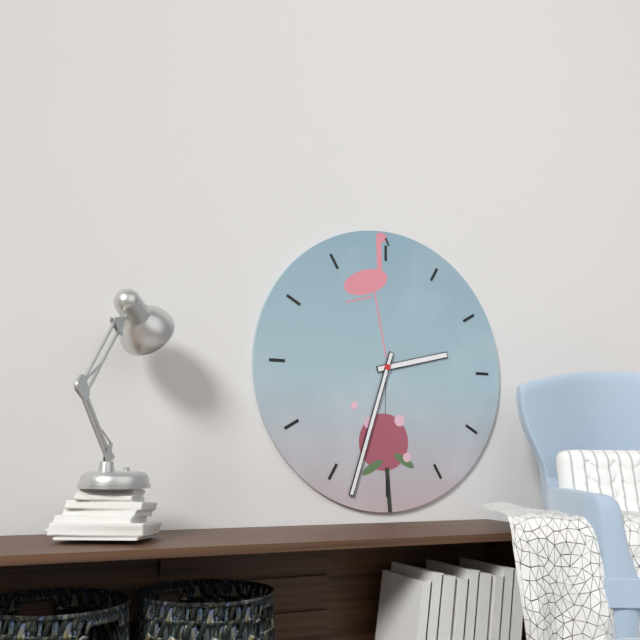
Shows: 2:33
